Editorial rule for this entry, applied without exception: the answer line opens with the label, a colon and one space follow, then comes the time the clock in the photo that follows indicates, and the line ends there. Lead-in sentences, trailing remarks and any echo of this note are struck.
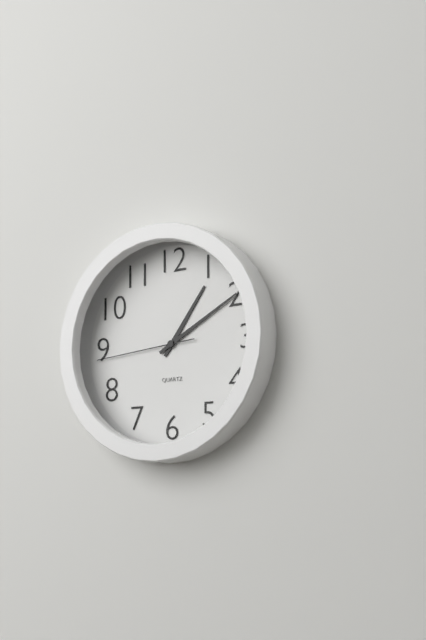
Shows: 1:10:44
